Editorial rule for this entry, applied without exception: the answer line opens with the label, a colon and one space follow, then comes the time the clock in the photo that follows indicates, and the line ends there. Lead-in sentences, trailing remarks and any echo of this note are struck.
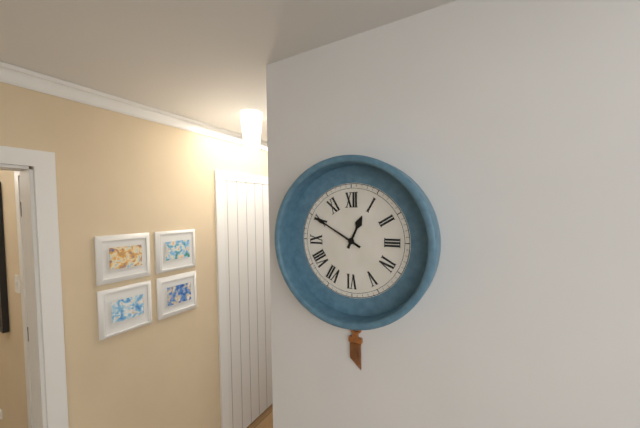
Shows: 12:50
